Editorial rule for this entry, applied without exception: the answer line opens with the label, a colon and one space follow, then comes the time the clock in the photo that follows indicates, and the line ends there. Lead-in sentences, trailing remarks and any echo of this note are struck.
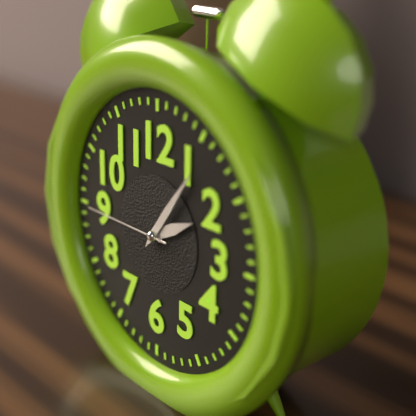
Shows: 2:06:45
